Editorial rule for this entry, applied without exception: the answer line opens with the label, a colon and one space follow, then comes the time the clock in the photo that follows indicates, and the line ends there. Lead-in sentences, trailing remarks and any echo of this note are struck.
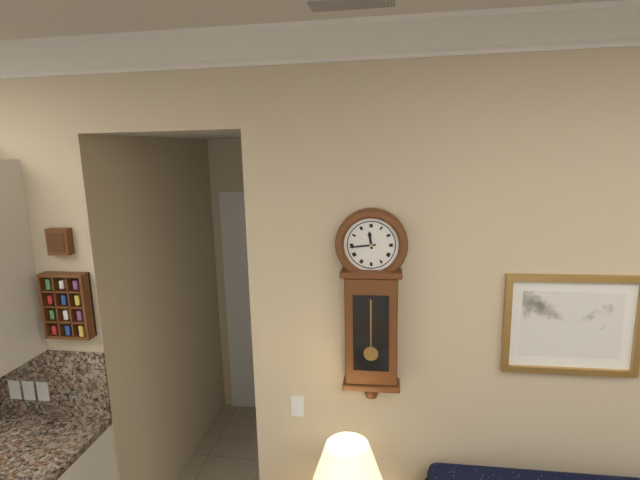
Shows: 11:44
